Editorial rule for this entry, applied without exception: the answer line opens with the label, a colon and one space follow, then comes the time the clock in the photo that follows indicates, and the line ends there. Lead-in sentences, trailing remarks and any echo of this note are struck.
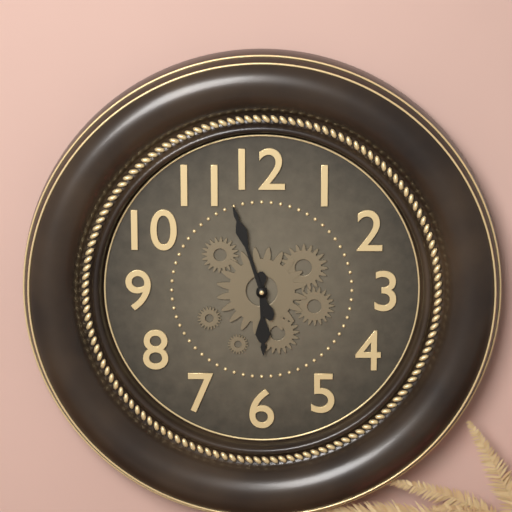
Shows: 5:57
